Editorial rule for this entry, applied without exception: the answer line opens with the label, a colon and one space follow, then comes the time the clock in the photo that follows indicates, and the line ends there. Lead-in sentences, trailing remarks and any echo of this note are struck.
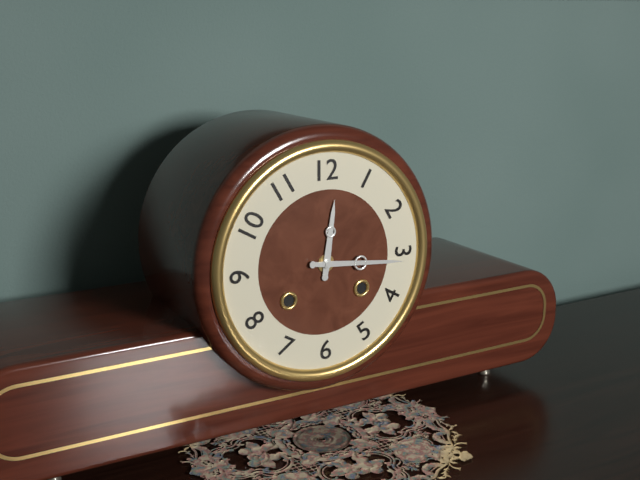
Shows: 12:16
